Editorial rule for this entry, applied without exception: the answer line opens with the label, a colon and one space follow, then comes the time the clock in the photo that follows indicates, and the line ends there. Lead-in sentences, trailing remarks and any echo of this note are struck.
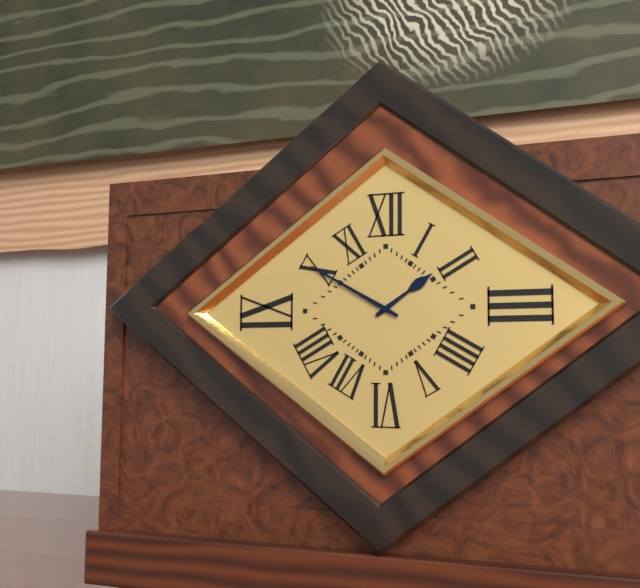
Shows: 1:50
